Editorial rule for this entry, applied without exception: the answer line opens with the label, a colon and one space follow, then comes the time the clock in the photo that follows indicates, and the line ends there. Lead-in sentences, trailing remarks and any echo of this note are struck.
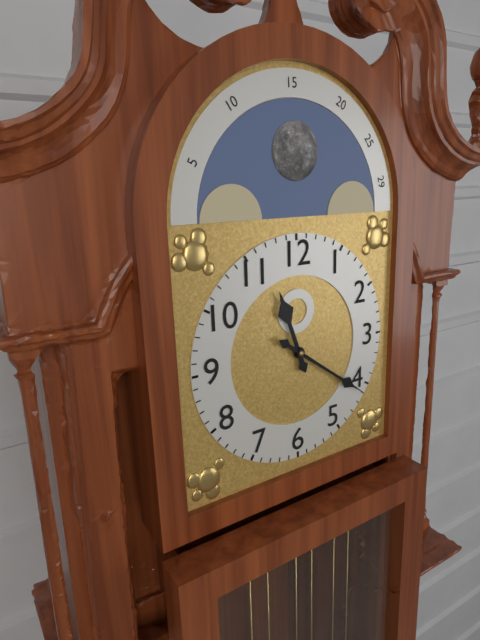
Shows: 11:21
